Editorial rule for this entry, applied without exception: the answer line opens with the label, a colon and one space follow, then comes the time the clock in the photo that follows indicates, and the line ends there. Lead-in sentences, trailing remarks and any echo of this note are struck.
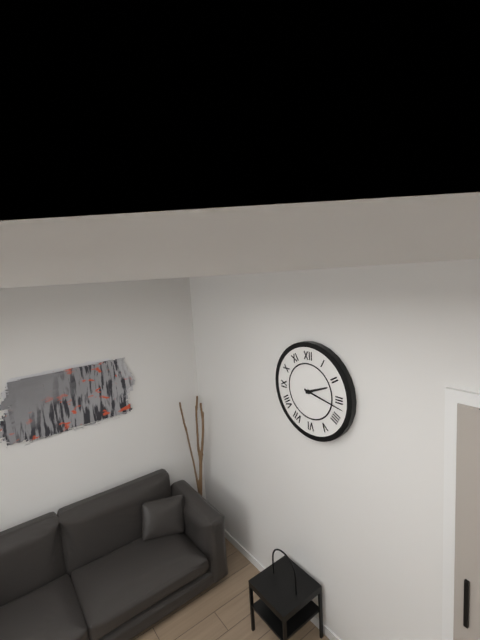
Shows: 2:17
